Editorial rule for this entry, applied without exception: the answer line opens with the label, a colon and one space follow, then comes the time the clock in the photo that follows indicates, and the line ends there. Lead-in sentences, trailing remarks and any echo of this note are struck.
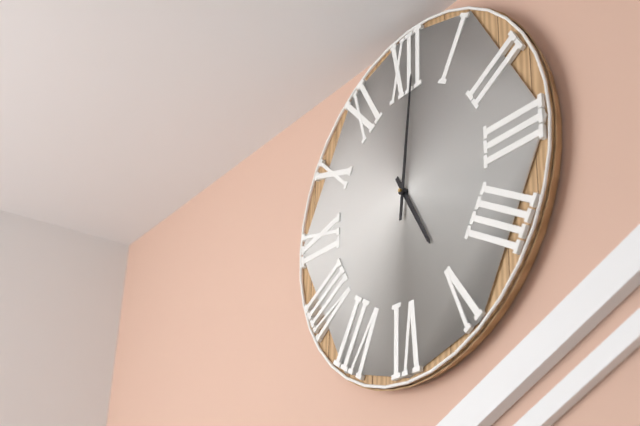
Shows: 5:01
